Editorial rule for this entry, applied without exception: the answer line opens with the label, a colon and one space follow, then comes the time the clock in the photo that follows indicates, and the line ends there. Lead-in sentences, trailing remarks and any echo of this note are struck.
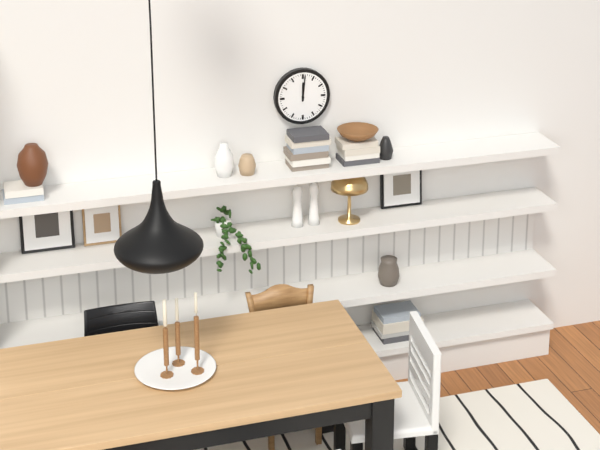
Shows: 12:01
